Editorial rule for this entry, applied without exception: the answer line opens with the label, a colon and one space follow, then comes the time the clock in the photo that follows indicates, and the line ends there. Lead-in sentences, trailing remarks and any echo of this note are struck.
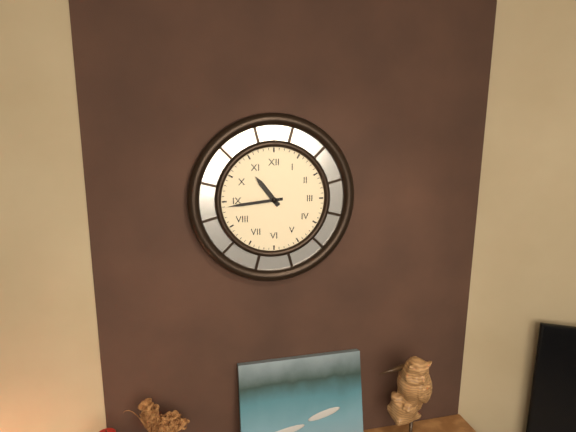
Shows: 10:44
